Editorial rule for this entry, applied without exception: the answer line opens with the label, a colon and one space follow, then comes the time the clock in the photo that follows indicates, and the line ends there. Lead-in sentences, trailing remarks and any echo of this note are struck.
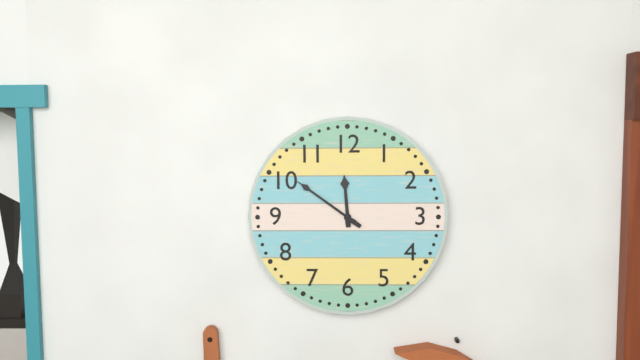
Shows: 11:51
